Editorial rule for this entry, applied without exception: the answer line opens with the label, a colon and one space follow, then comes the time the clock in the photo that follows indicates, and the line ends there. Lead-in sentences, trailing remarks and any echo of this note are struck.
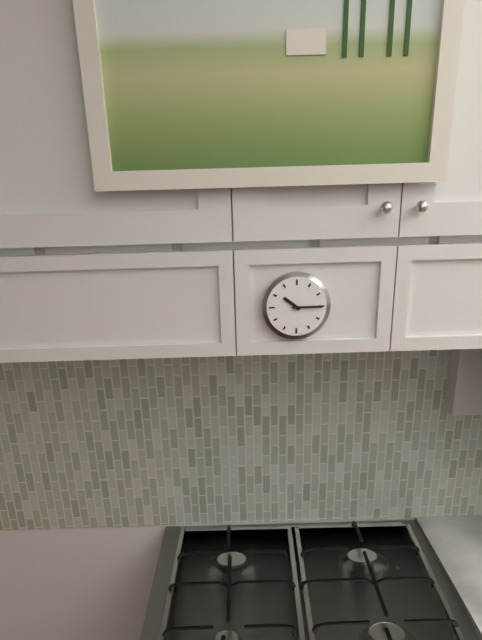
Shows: 10:15
